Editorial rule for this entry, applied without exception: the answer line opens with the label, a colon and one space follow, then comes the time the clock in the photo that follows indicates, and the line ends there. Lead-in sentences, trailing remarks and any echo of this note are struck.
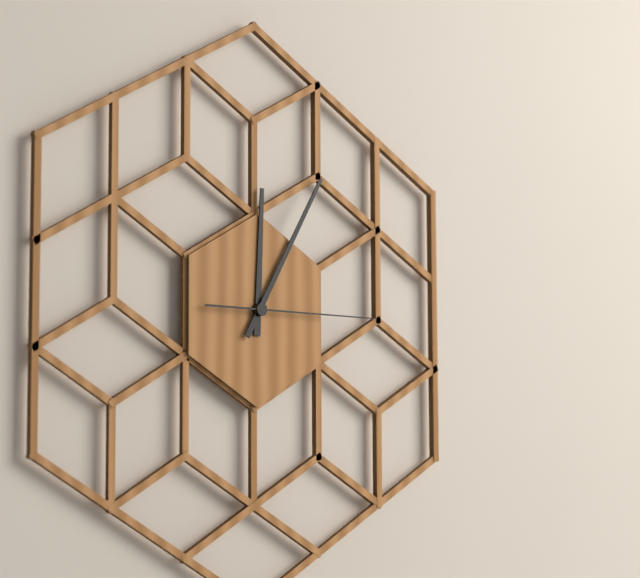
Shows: 12:05:15
